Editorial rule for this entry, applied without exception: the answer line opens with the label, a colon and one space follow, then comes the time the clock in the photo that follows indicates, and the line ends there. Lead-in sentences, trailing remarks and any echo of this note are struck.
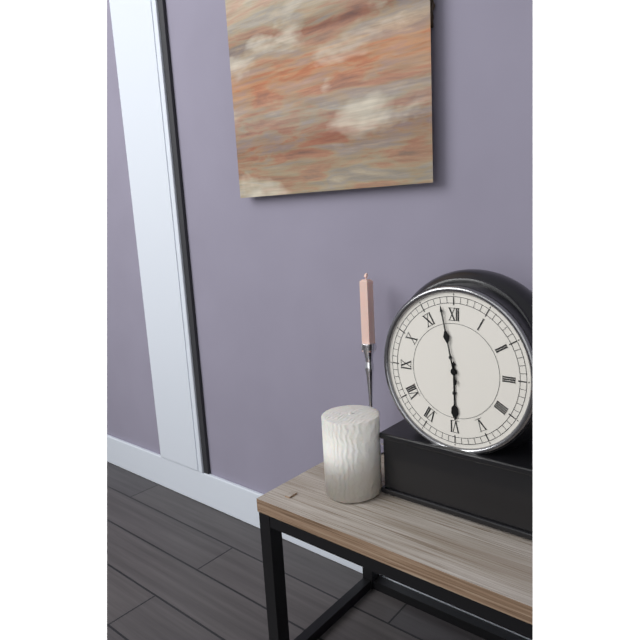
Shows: 5:58
